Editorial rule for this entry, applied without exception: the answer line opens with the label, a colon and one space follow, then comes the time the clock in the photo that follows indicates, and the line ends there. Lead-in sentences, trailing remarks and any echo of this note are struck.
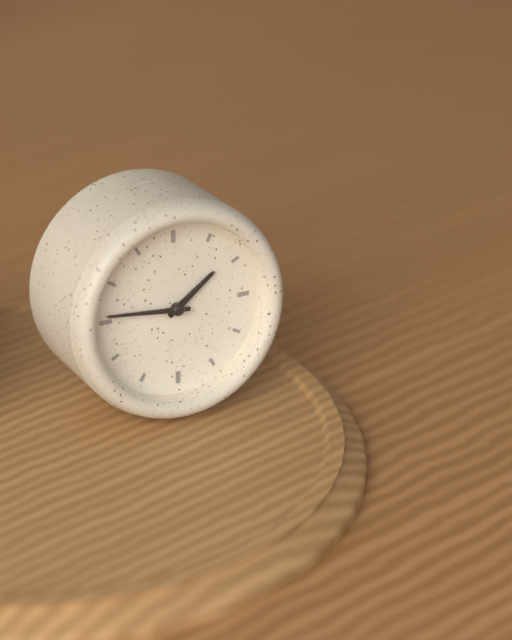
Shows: 1:46
